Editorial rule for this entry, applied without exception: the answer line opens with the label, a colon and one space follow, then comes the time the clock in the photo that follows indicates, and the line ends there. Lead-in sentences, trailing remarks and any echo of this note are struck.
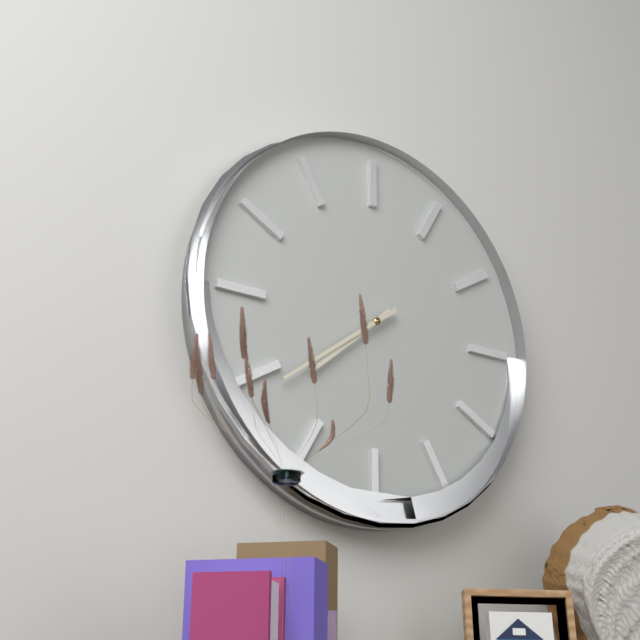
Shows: 7:39
